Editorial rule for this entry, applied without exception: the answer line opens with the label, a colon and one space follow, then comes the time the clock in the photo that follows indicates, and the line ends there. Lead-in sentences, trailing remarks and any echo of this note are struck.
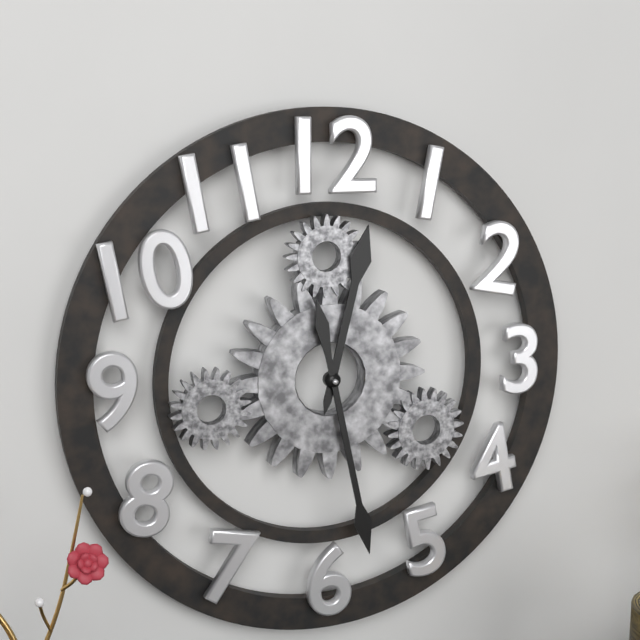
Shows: 12:28
